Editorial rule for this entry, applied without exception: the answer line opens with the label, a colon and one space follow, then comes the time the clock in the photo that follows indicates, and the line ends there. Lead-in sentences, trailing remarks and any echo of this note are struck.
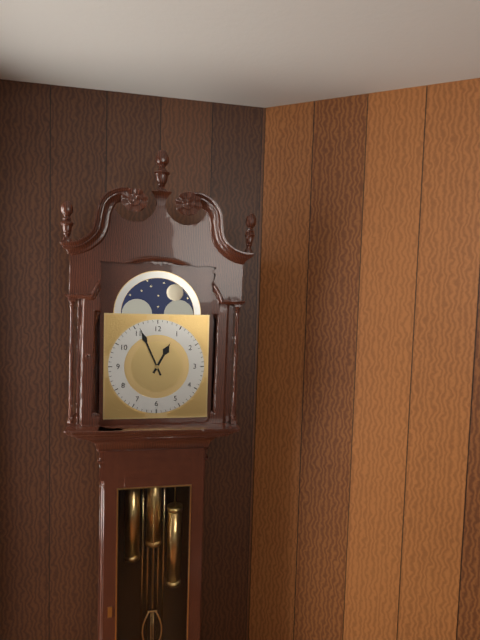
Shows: 12:56
